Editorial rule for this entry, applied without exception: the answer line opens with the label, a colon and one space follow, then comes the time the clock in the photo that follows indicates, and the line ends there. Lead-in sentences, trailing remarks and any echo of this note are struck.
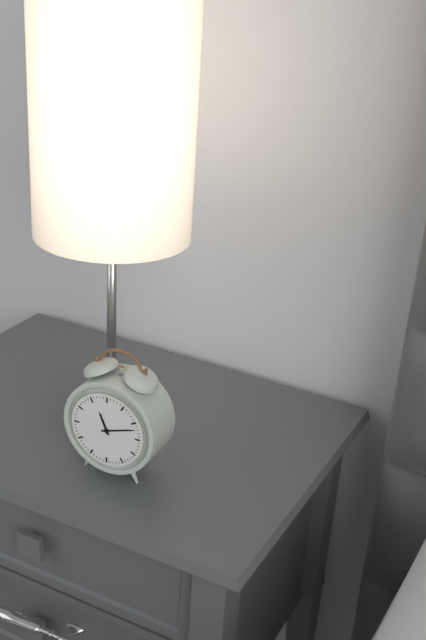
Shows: 11:12
